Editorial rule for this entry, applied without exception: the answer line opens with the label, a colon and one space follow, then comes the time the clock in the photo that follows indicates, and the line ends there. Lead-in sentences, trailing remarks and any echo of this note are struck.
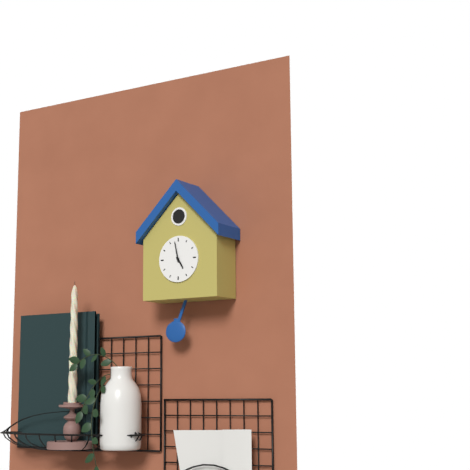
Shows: 4:58
